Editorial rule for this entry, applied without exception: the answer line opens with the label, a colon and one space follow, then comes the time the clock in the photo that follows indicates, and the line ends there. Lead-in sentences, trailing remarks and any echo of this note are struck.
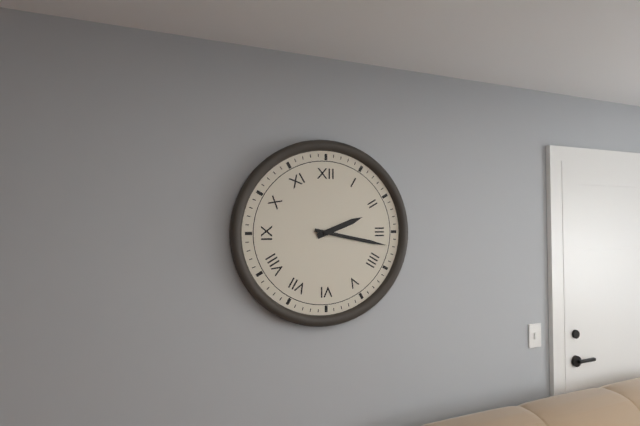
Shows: 2:17
